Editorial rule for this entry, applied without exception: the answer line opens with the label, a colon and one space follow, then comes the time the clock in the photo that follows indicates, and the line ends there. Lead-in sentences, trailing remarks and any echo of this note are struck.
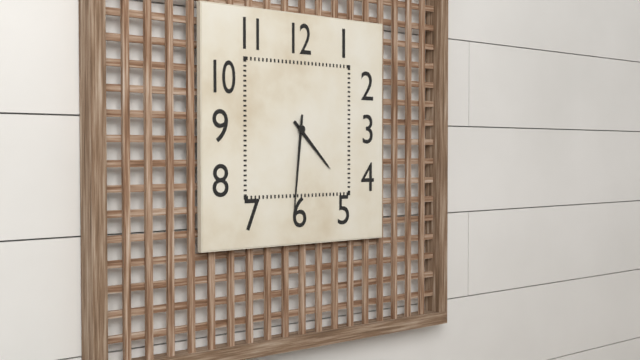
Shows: 4:31
